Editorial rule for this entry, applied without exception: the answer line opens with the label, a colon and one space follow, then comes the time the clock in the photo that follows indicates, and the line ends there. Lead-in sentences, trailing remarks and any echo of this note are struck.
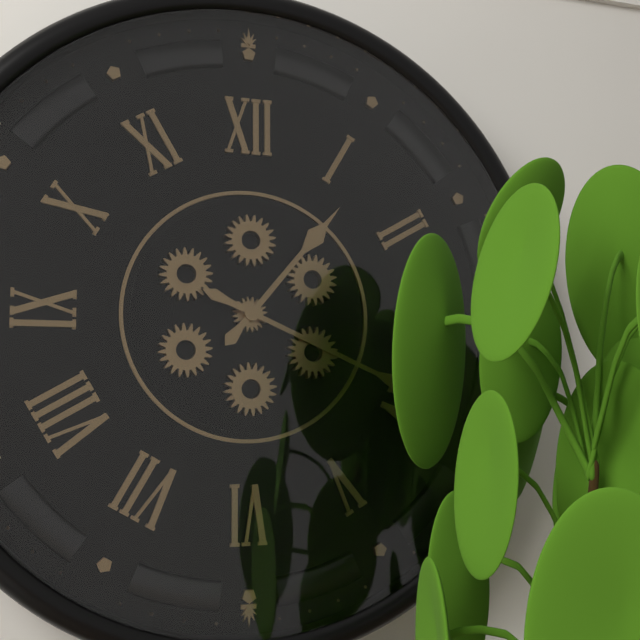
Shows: 1:19
